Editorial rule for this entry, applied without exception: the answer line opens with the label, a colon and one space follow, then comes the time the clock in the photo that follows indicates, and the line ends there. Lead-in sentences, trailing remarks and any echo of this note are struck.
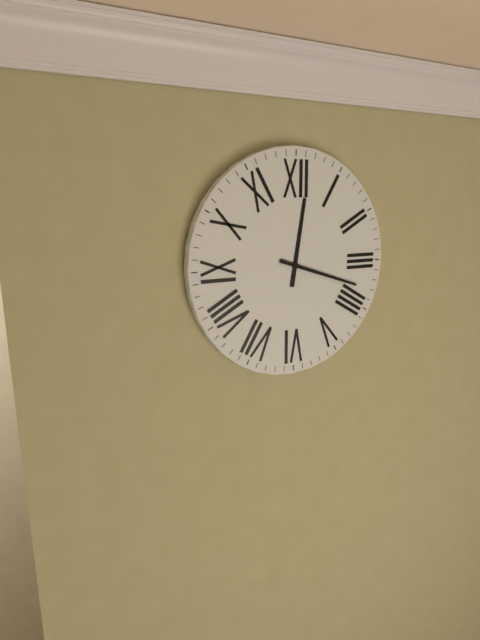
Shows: 12:18
